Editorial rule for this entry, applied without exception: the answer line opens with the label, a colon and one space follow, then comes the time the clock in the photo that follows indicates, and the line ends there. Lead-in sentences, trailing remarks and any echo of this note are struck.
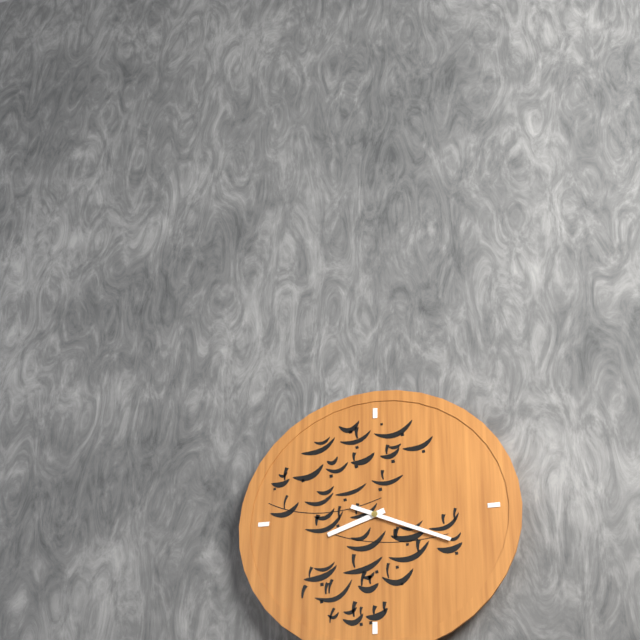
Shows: 8:19
